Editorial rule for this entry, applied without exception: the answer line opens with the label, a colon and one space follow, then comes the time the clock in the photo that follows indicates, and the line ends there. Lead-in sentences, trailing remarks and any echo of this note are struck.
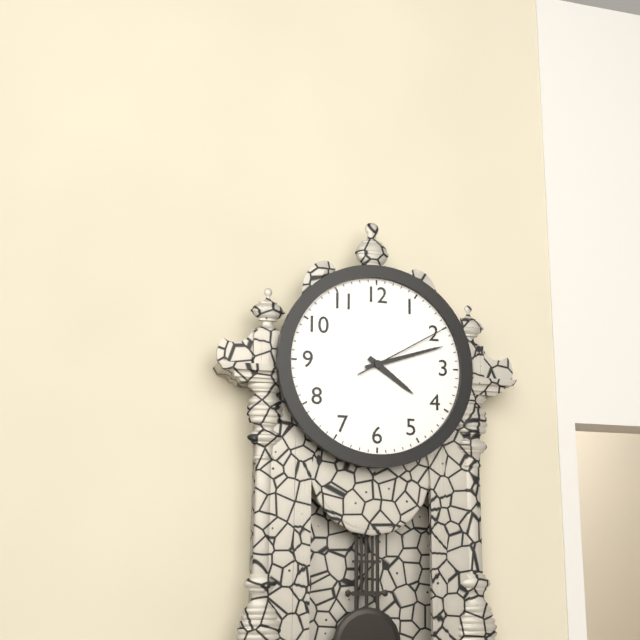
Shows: 4:12:10
